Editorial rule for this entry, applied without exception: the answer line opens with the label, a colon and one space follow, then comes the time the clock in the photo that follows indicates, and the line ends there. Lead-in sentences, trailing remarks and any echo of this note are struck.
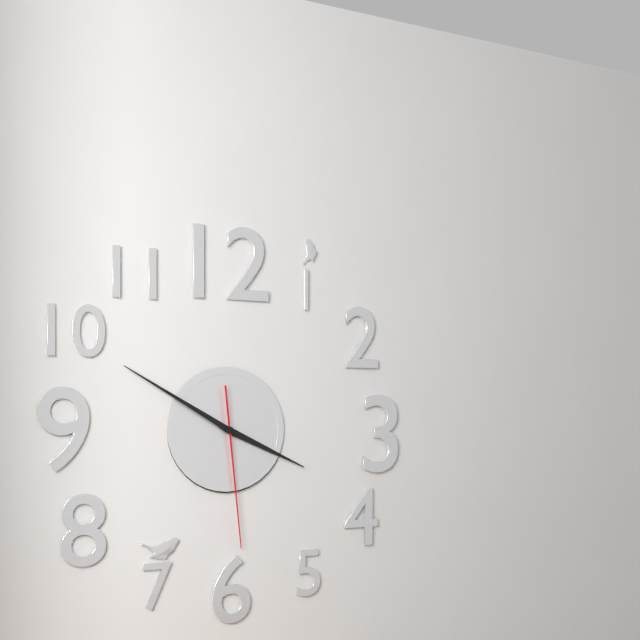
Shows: 3:50:29
